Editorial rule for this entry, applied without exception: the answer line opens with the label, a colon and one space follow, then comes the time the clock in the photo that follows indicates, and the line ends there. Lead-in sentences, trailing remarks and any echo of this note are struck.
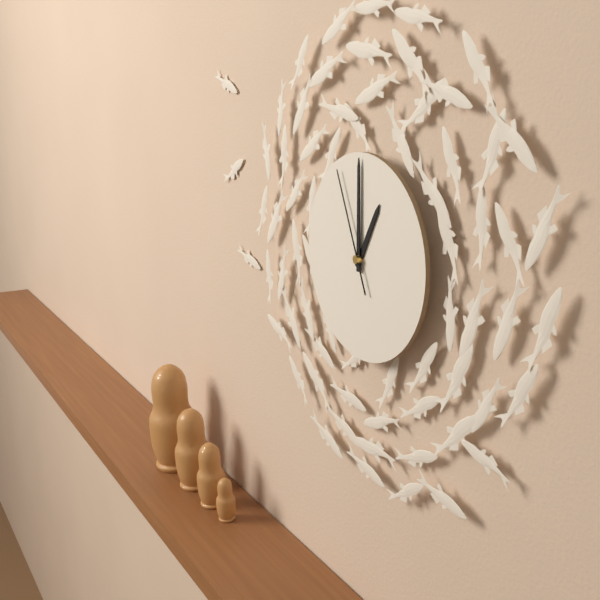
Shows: 1:00:56
